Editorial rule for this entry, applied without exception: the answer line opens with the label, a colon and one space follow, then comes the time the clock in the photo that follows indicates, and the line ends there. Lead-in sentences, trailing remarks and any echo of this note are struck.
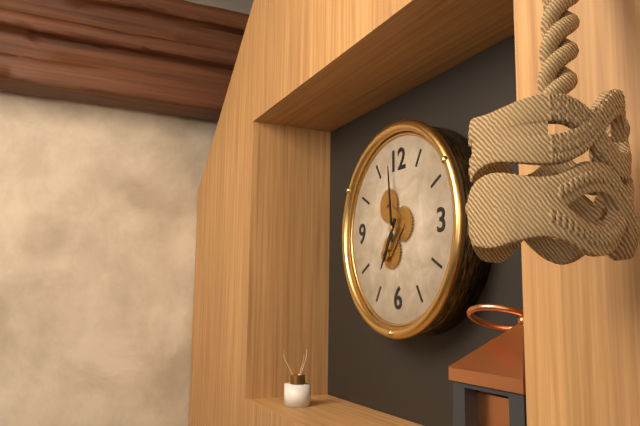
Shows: 6:59
